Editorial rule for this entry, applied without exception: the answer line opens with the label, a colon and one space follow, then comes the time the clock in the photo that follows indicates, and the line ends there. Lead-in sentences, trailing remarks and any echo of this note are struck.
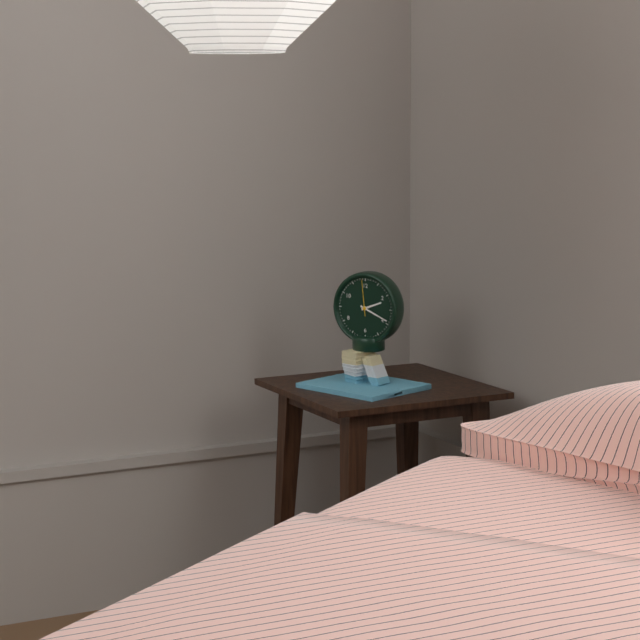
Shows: 2:19
